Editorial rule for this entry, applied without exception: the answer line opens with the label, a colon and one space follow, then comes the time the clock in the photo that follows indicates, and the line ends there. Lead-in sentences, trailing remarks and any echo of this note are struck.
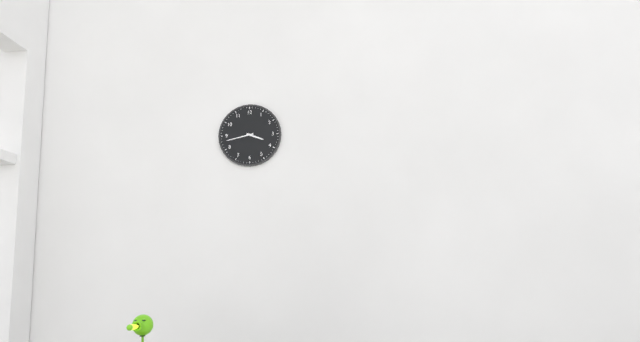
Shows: 3:43
